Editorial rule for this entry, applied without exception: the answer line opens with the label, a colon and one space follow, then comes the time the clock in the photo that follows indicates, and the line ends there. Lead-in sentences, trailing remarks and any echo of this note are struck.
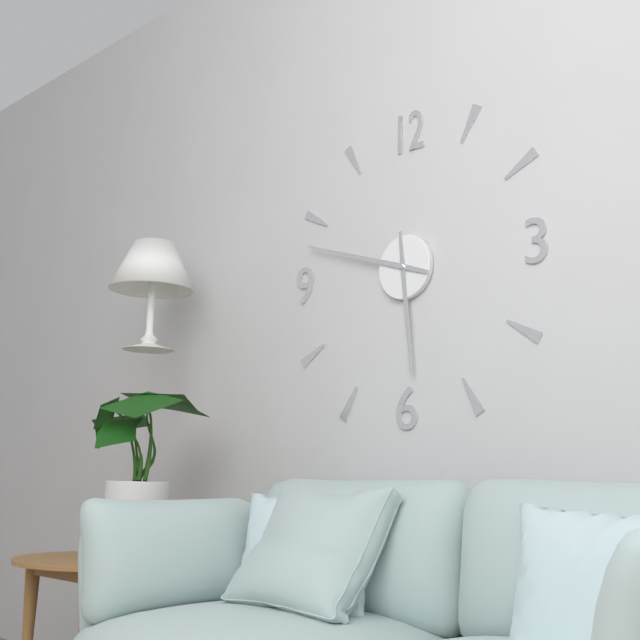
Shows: 5:48
